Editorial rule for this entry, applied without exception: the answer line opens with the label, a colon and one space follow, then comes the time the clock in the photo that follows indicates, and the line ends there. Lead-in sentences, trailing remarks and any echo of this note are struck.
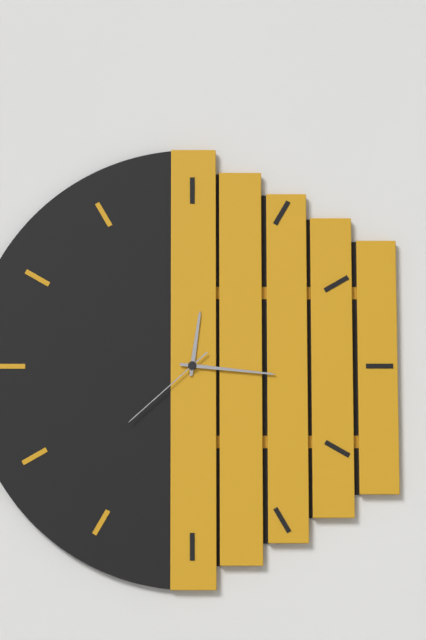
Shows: 12:16:38
